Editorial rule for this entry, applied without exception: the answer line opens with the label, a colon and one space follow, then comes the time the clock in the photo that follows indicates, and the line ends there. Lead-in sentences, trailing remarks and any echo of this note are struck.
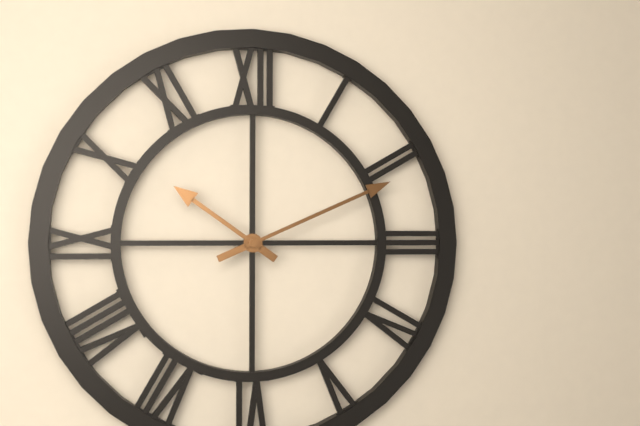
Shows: 10:11
